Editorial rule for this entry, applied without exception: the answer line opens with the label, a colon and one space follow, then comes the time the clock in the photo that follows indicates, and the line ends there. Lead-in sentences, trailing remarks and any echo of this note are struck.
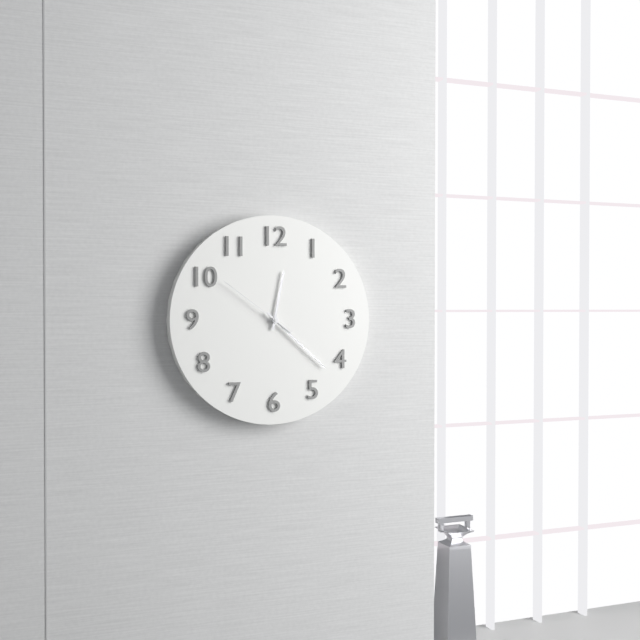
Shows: 12:22:51
